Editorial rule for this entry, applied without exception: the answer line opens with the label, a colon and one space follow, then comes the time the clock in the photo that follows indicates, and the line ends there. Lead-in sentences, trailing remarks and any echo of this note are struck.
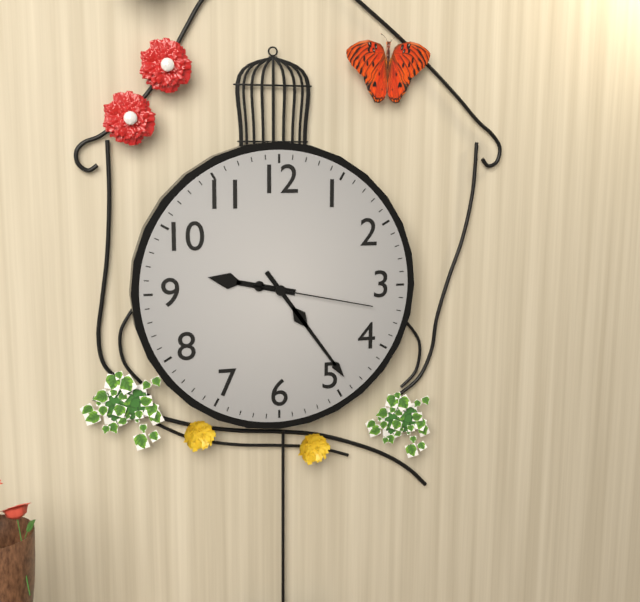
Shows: 9:24:17
